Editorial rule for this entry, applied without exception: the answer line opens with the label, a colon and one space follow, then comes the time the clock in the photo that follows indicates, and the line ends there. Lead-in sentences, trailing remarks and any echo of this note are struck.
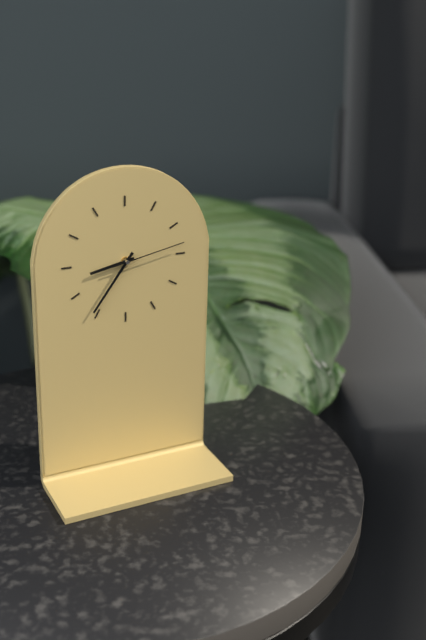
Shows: 8:36:13
